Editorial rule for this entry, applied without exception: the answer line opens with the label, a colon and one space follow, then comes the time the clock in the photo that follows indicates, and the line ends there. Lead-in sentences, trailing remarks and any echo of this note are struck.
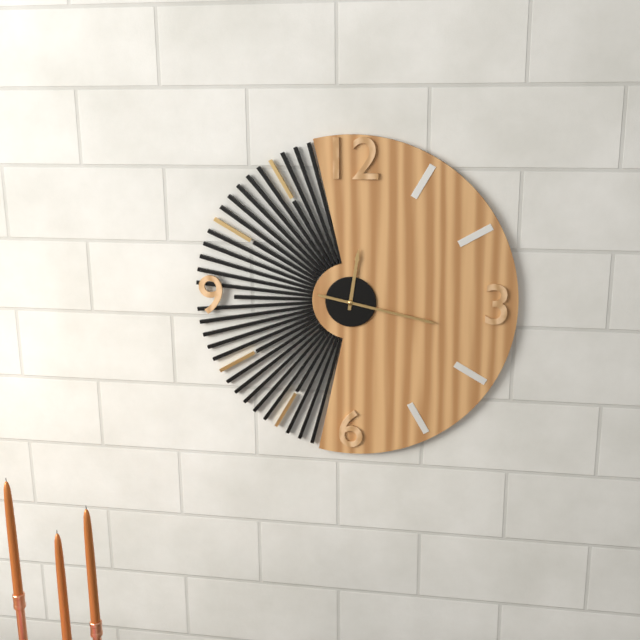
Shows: 12:17
